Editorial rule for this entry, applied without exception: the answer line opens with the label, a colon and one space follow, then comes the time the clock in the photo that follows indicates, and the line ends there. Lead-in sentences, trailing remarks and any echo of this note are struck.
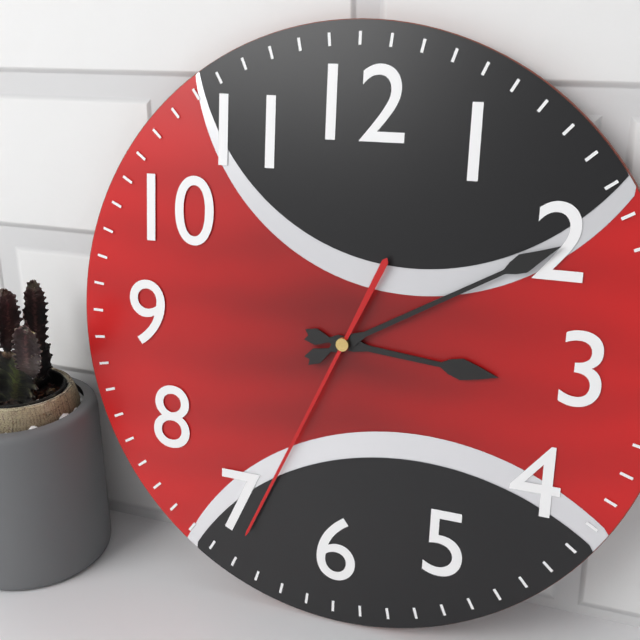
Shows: 3:10:34
